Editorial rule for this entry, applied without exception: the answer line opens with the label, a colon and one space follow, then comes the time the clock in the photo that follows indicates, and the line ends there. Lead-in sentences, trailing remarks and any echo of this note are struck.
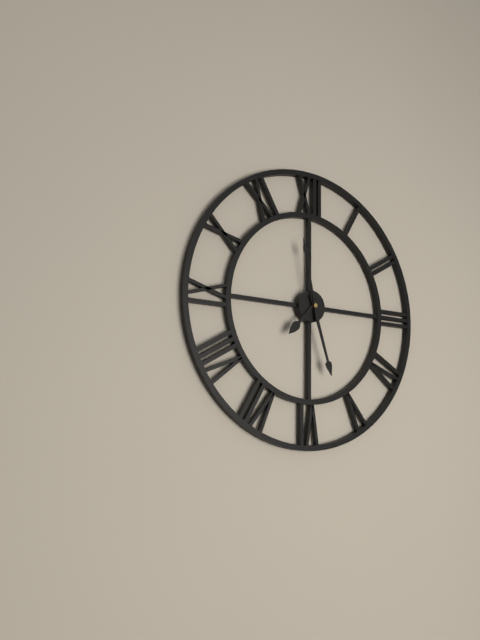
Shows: 7:27:58
